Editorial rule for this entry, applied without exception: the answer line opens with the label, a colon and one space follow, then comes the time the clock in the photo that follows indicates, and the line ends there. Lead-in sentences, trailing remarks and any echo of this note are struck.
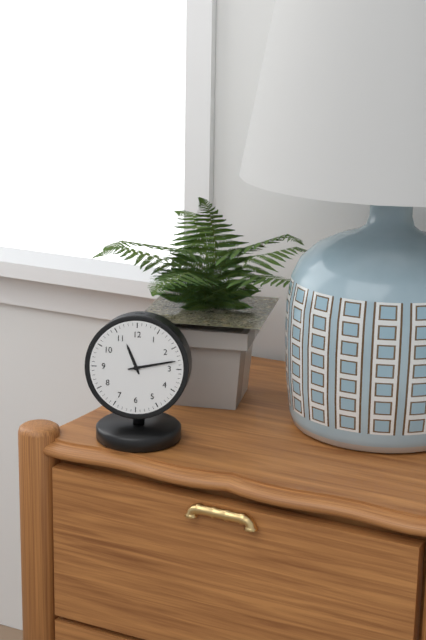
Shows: 11:13
